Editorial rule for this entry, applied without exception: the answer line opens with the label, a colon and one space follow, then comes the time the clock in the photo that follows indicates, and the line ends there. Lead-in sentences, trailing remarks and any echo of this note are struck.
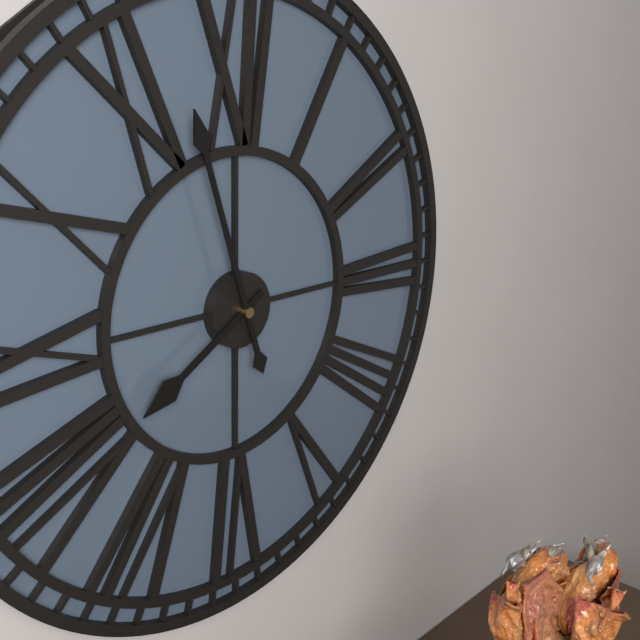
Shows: 7:57
